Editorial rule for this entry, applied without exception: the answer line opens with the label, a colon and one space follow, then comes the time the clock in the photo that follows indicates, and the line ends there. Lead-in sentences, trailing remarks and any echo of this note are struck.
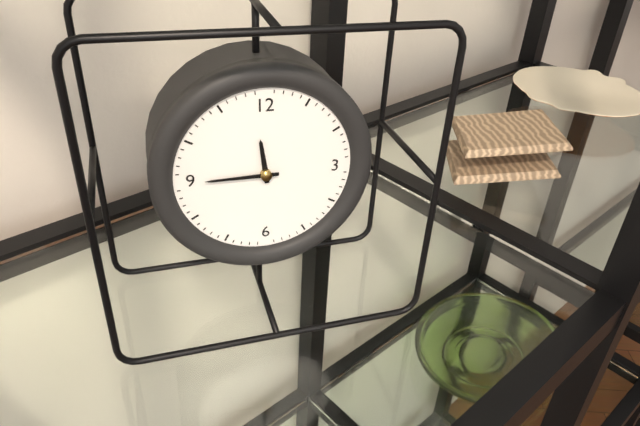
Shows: 11:45
